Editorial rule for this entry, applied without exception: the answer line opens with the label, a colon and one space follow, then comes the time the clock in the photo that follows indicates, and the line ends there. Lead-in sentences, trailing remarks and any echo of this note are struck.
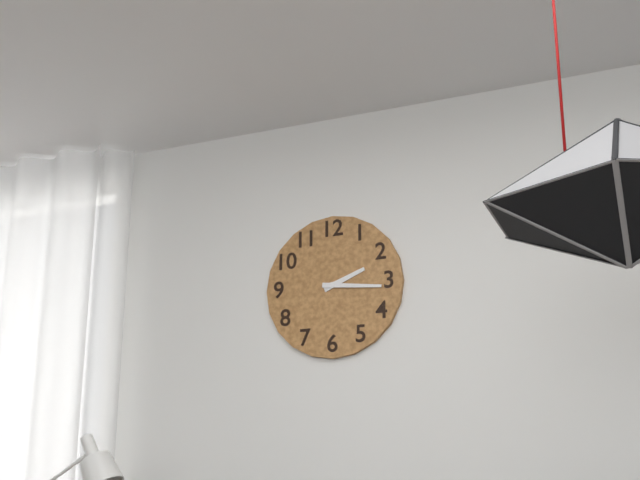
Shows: 2:16
